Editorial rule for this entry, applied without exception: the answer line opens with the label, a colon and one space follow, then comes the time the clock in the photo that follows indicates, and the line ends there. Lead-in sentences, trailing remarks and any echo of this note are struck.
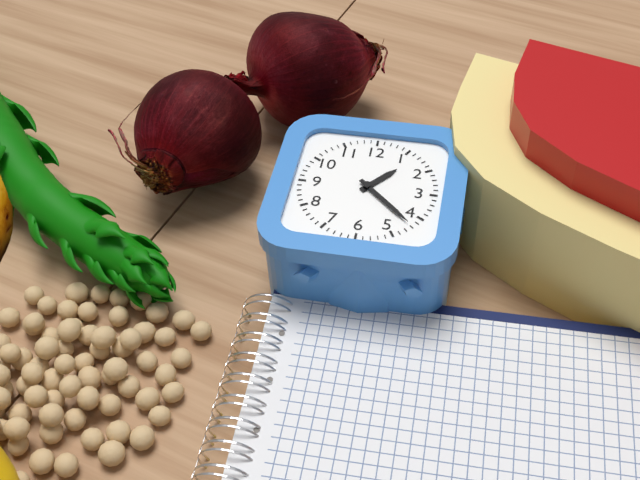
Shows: 1:22
